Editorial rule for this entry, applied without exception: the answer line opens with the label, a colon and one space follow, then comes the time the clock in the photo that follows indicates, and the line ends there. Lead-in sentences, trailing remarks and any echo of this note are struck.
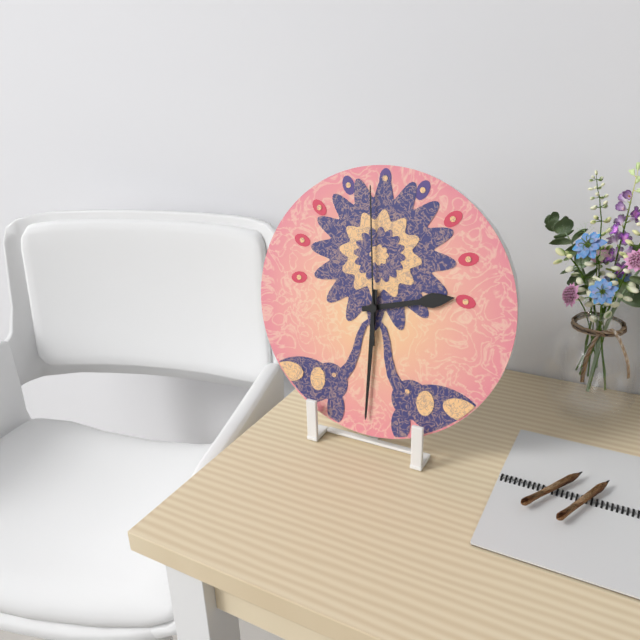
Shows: 2:30:59
